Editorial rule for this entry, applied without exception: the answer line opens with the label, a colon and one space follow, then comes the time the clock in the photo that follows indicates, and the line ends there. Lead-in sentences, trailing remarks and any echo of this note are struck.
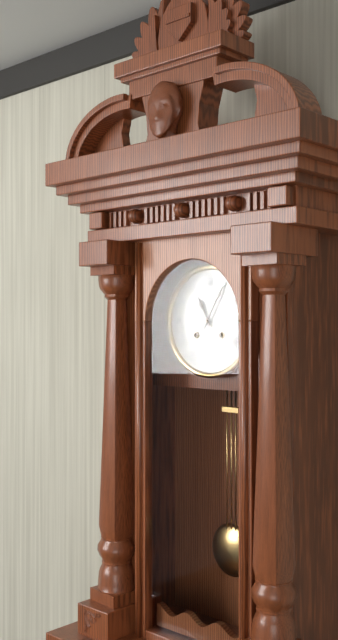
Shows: 11:05
